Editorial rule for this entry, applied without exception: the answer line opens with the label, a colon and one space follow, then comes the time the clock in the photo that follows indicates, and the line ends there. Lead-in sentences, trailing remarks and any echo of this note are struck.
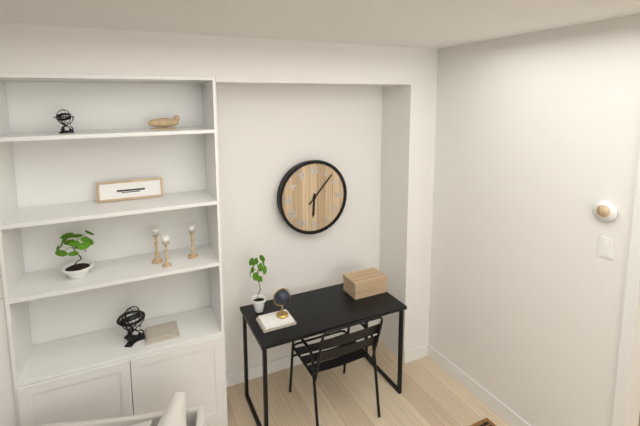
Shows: 6:07
